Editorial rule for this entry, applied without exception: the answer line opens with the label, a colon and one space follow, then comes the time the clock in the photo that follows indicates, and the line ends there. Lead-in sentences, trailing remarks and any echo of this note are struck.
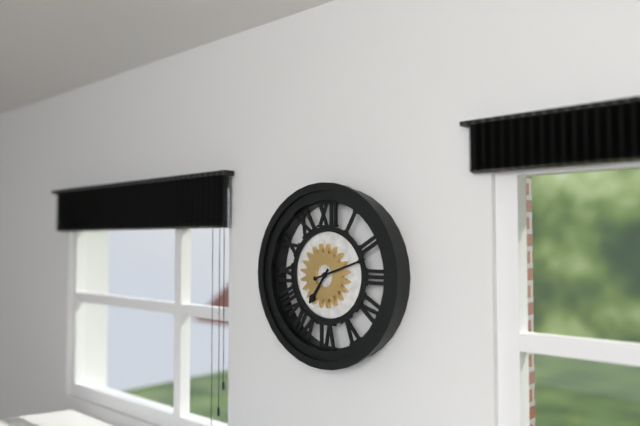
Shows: 7:12
